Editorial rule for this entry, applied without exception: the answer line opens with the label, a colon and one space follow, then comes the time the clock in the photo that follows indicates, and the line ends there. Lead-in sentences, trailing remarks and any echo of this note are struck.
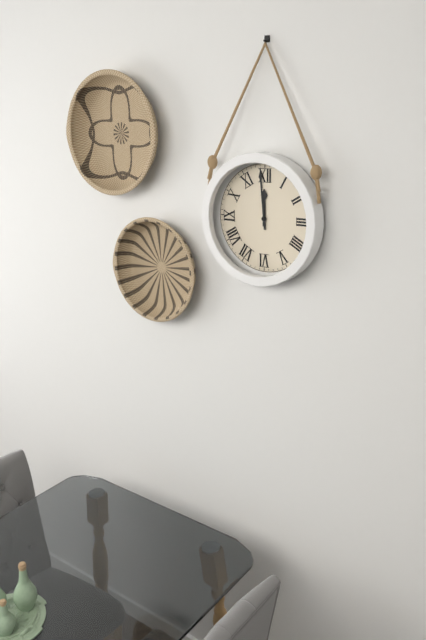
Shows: 11:59
